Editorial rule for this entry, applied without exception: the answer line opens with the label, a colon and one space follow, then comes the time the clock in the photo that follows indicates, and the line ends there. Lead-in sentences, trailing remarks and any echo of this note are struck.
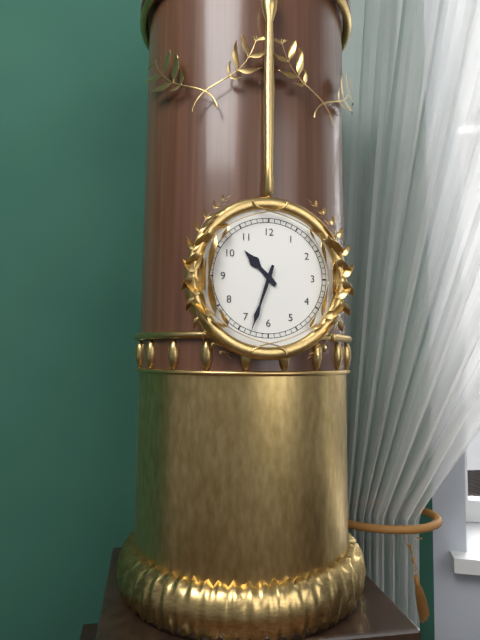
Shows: 10:33
